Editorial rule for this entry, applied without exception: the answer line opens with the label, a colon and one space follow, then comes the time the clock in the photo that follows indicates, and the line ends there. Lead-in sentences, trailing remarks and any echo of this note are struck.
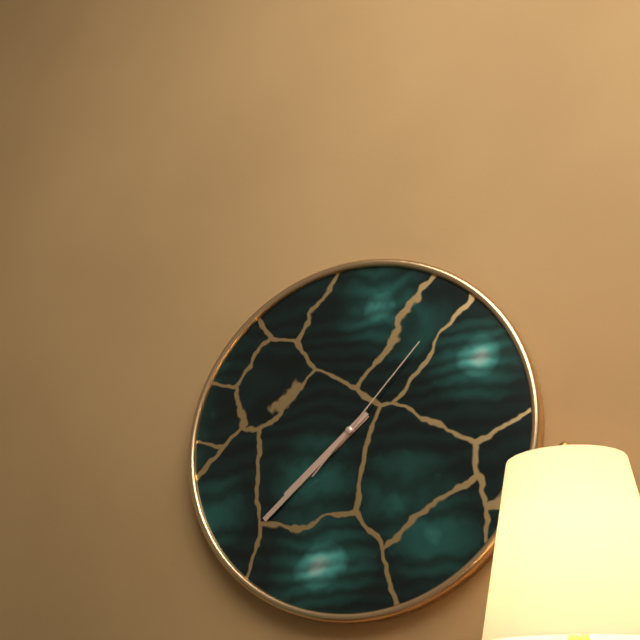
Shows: 7:38:07
